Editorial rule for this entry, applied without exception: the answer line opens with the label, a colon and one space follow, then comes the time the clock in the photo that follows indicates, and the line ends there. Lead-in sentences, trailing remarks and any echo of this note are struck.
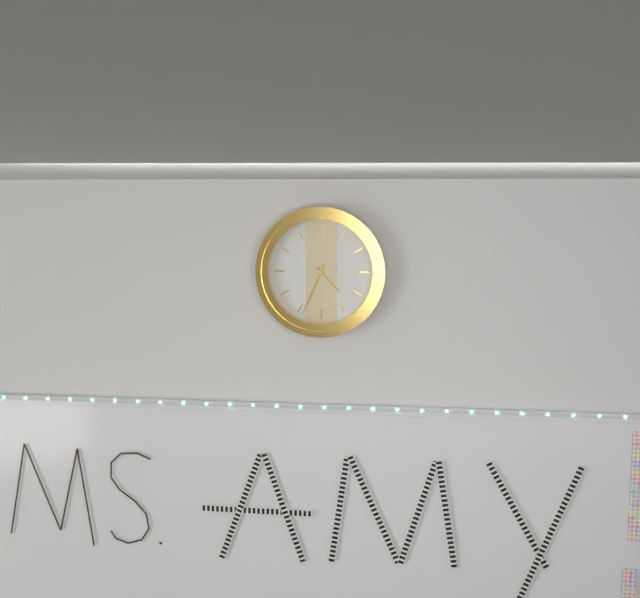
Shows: 4:34
